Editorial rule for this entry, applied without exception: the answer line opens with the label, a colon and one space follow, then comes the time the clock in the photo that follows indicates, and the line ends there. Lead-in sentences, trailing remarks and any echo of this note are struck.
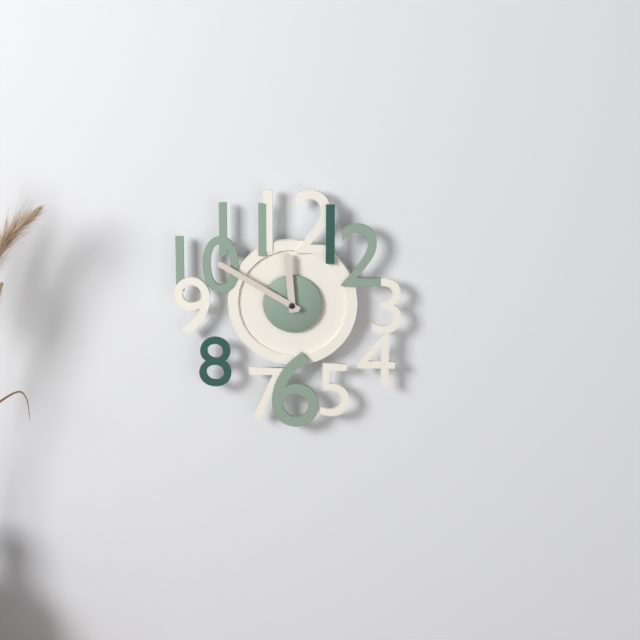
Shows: 11:50
